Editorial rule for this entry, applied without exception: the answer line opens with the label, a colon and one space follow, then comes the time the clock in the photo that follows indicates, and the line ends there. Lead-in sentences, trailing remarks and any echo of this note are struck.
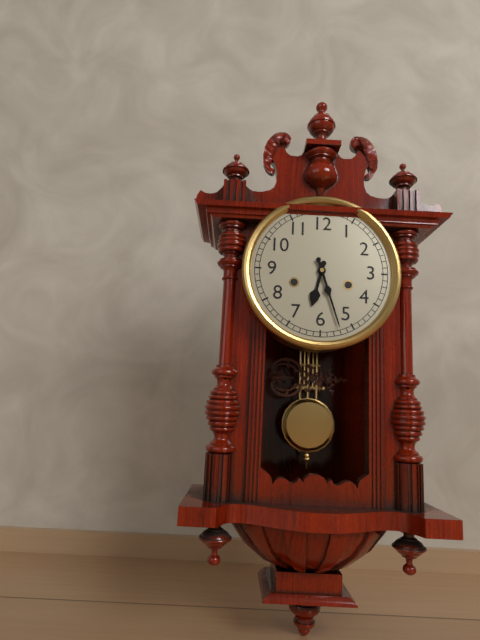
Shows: 6:27
